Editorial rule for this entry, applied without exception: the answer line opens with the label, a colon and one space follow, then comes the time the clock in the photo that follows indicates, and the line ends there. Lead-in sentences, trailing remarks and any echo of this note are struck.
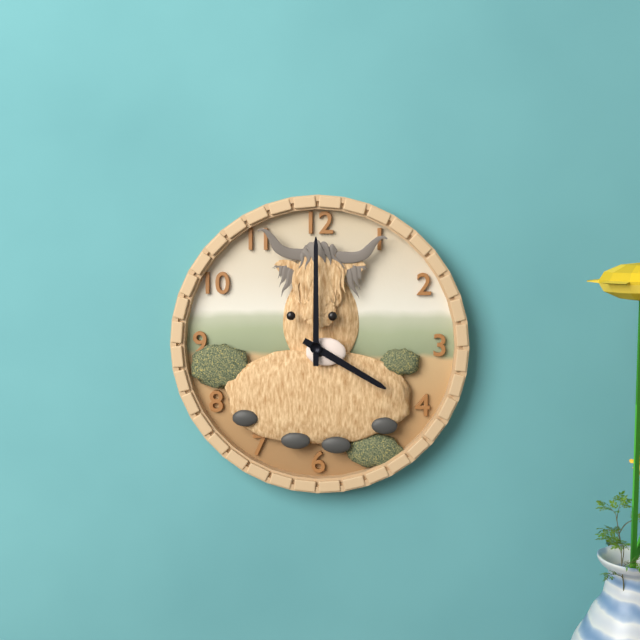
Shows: 4:00
